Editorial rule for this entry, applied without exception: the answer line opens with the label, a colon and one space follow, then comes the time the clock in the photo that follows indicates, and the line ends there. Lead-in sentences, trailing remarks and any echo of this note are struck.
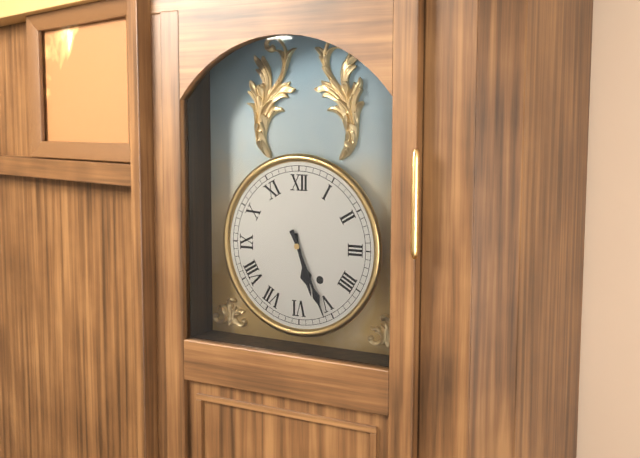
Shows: 5:26
